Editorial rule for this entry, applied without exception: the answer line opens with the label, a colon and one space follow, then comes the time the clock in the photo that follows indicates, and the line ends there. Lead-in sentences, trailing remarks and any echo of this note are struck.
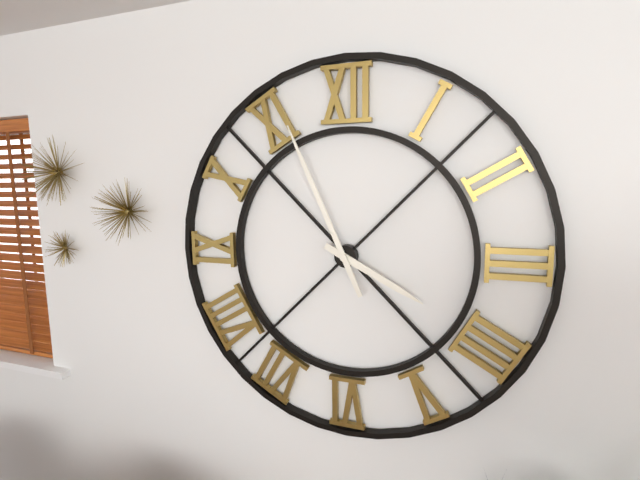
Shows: 3:56
